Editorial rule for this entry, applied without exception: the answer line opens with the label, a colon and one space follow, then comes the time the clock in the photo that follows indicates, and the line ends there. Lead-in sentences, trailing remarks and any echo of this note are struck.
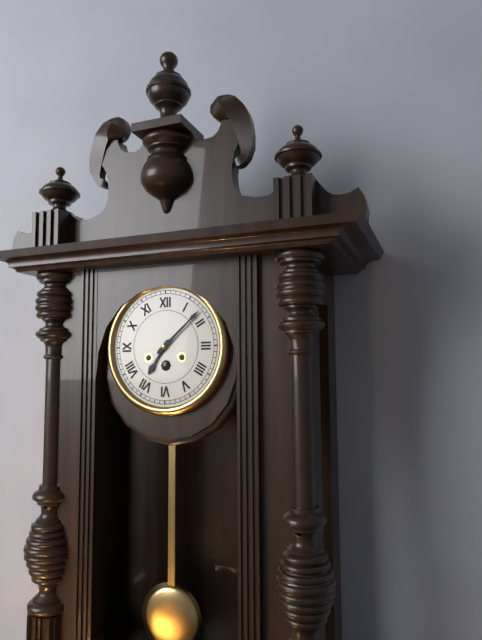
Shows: 7:08
